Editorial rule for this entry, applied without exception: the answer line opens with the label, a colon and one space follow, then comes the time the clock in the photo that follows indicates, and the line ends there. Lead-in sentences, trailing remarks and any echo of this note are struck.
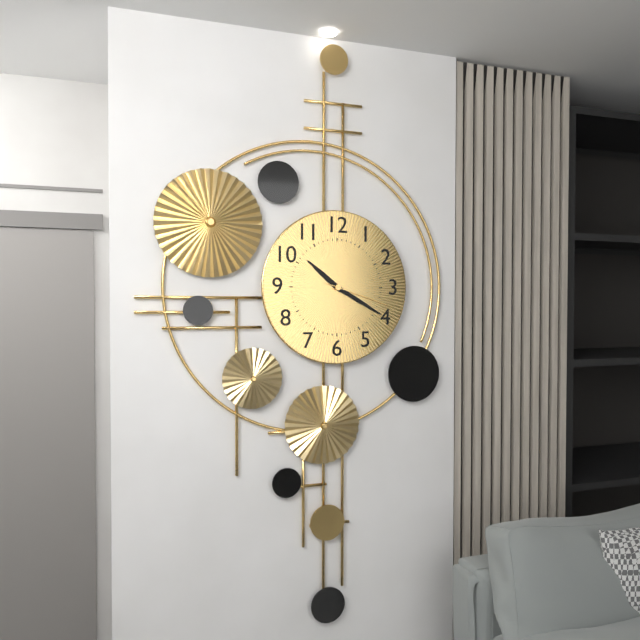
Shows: 10:20:18
